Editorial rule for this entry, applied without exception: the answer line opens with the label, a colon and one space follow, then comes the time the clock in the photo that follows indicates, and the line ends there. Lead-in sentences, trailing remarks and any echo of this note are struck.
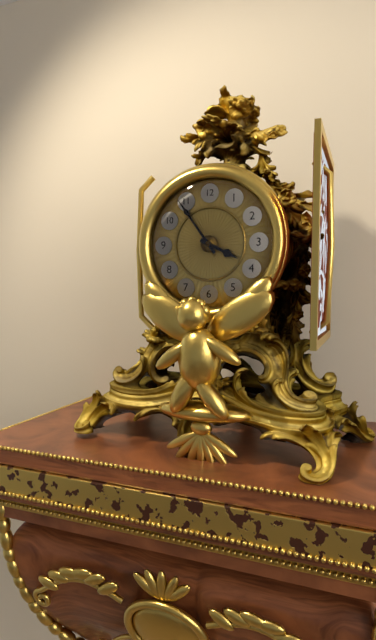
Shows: 3:54
